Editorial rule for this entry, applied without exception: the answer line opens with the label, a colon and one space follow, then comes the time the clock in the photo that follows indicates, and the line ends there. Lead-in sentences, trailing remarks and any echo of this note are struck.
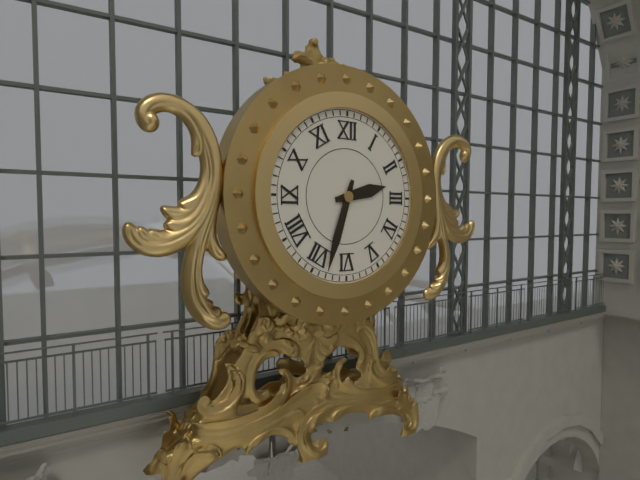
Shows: 2:33
